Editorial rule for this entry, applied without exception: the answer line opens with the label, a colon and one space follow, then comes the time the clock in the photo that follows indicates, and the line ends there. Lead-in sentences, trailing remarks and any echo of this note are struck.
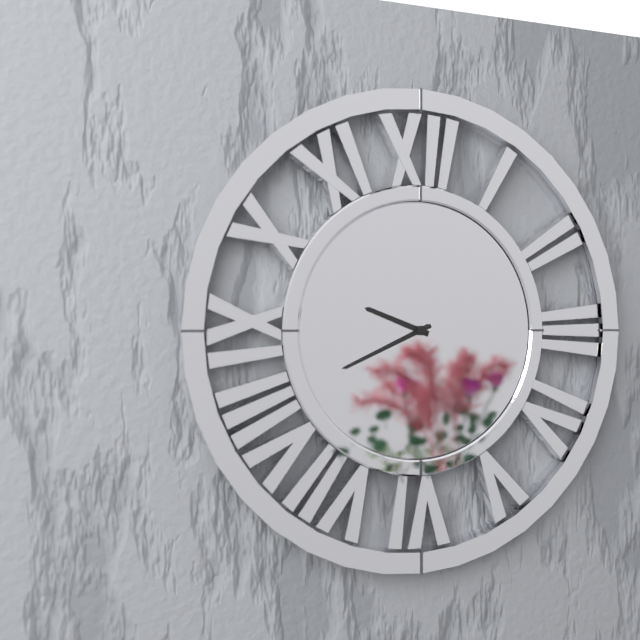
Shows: 9:41
